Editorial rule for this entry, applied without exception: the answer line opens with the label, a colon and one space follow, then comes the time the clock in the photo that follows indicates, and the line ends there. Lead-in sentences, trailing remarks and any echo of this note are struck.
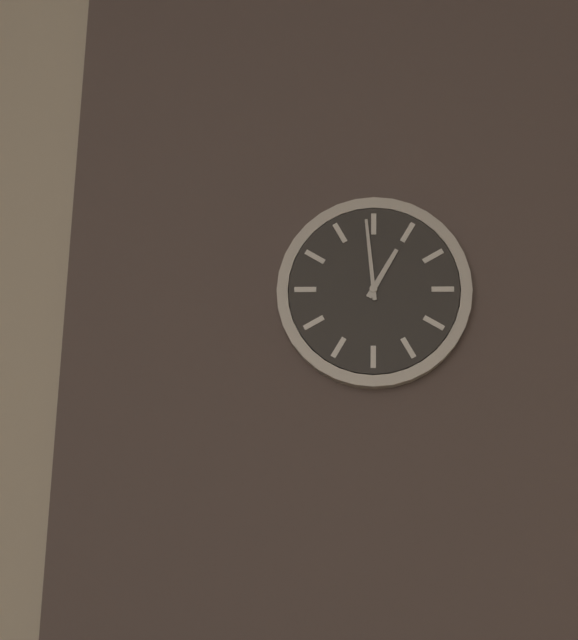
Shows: 12:59
